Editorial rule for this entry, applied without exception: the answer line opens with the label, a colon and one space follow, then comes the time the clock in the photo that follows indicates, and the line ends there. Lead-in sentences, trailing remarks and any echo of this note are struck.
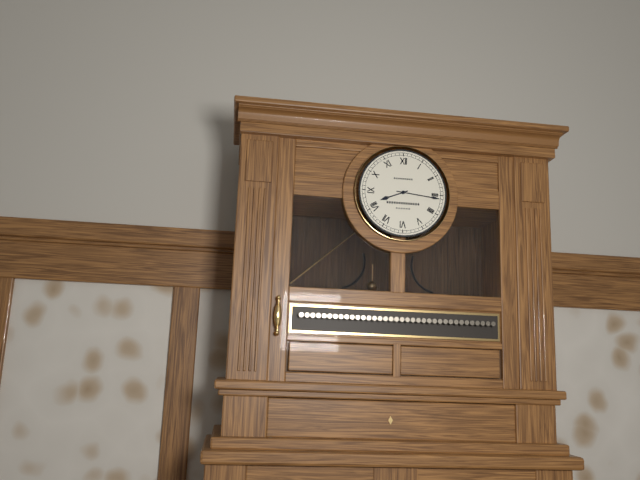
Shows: 8:16
